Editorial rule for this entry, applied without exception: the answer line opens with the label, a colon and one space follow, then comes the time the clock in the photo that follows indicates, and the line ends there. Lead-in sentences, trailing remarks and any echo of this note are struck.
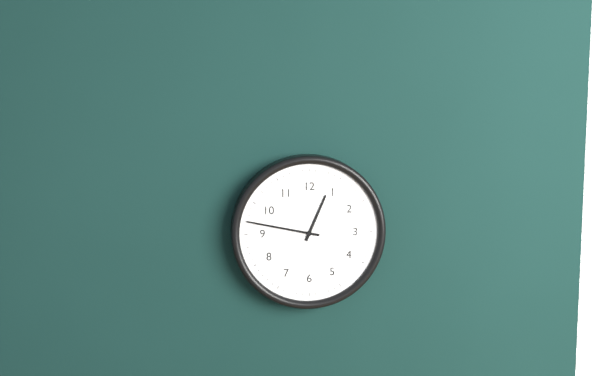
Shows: 12:47
